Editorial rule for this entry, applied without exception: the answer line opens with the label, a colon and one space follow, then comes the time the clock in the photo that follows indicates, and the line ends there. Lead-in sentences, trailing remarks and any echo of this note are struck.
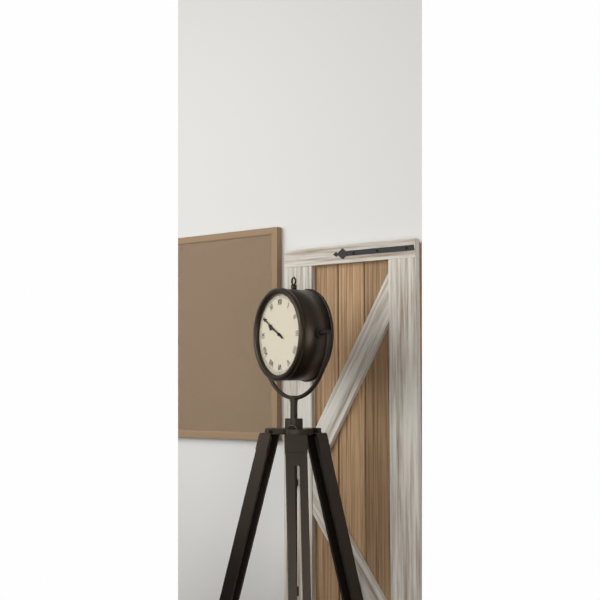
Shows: 9:50
